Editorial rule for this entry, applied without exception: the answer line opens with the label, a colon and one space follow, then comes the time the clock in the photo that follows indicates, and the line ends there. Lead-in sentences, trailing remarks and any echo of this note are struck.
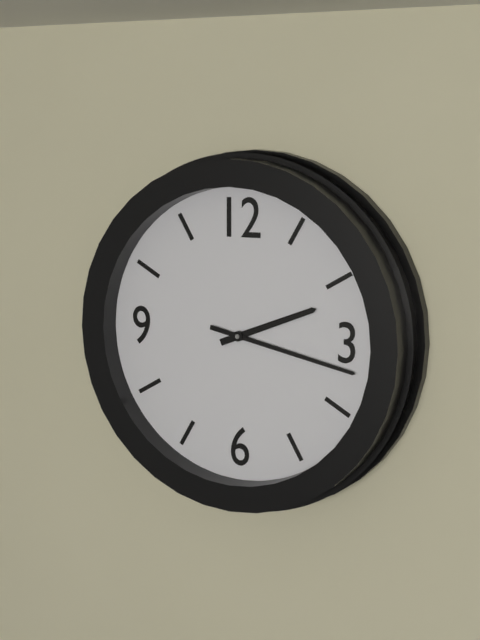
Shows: 2:17
